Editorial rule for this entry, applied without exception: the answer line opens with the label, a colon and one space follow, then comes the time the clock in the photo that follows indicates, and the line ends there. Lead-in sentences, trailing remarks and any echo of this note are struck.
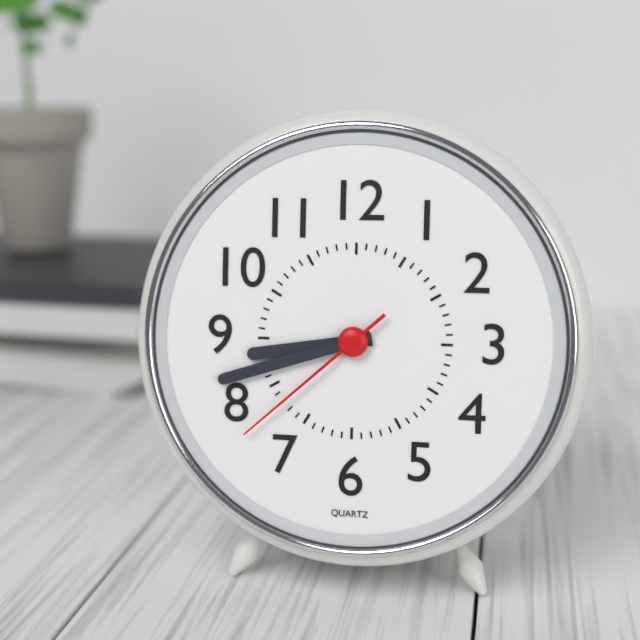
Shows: 8:42:38
